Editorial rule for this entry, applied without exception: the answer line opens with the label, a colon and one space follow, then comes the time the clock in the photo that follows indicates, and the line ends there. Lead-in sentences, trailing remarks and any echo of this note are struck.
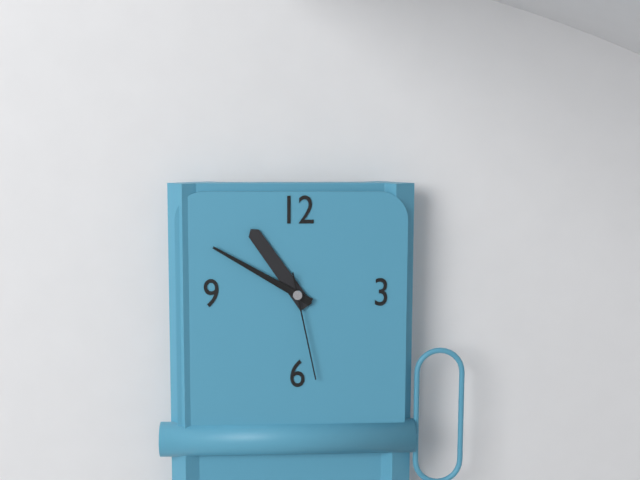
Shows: 10:50:28
